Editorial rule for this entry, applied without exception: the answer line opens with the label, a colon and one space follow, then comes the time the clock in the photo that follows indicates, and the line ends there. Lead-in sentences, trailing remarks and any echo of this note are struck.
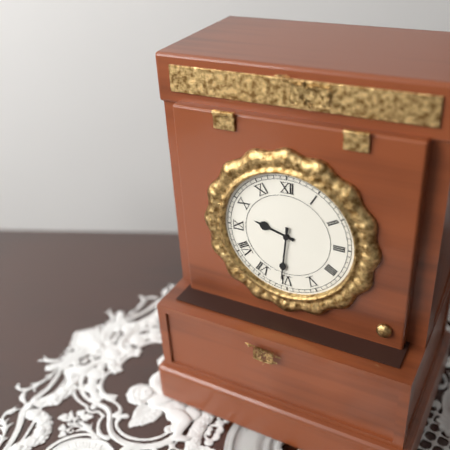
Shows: 9:31
